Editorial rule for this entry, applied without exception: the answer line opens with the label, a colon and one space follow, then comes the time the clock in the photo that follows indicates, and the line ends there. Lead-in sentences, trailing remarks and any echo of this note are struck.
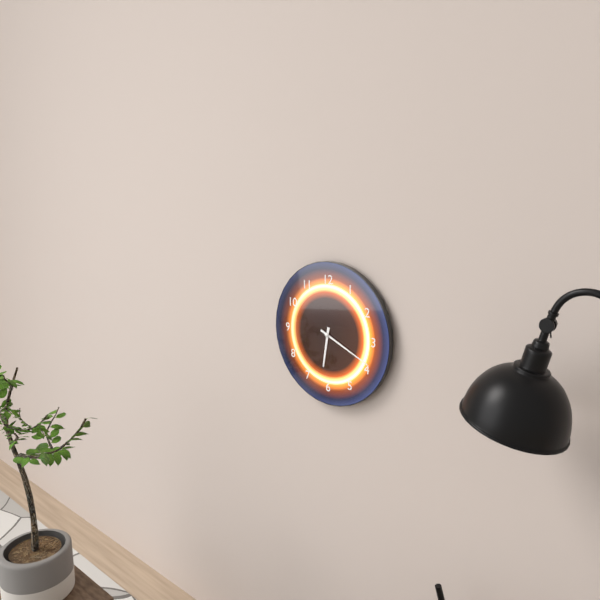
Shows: 6:19
